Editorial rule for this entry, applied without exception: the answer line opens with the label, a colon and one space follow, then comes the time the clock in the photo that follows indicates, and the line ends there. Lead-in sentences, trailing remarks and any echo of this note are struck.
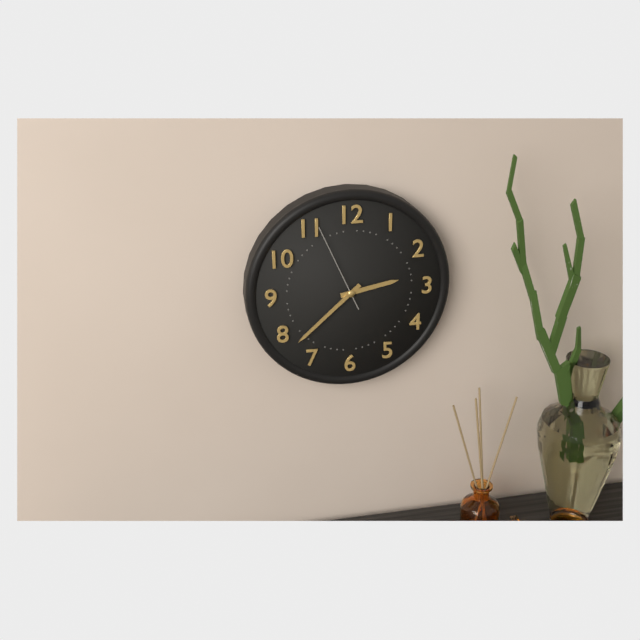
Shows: 2:38:56
